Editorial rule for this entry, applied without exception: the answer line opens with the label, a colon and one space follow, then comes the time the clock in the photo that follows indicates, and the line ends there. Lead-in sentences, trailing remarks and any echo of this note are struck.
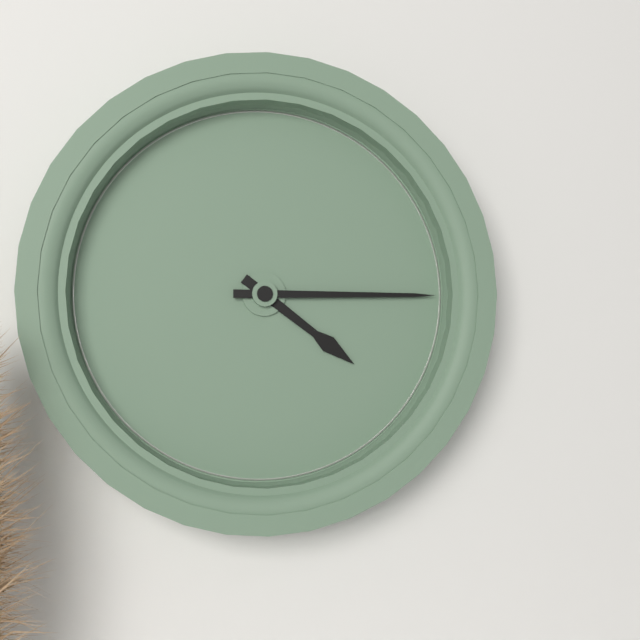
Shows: 4:15
